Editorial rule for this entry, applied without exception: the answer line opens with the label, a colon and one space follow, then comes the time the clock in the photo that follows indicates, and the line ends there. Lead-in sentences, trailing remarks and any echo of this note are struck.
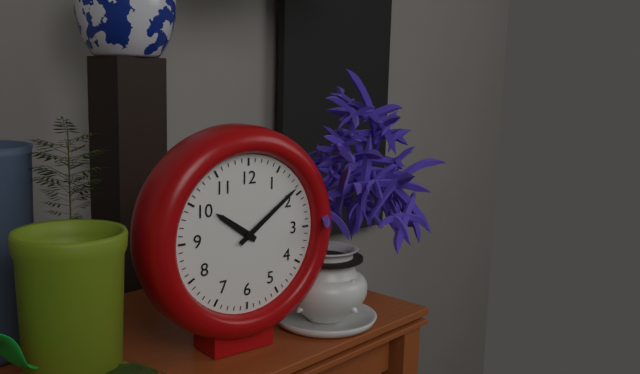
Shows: 10:09
